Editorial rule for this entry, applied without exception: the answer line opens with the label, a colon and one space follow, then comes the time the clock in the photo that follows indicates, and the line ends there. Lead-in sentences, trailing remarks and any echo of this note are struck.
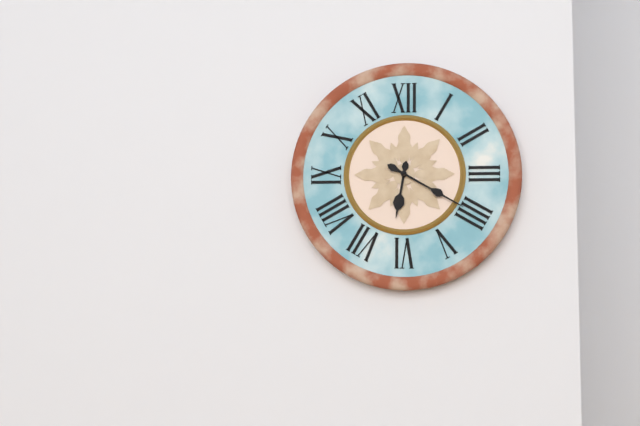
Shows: 6:20
